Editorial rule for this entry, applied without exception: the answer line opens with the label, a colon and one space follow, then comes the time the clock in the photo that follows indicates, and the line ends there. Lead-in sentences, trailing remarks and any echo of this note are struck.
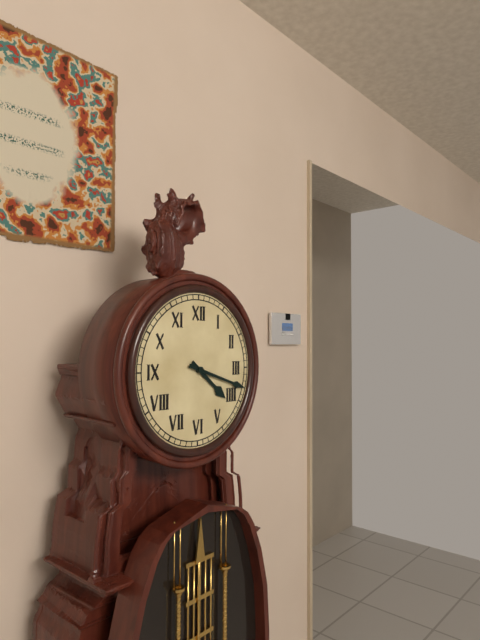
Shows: 4:18
